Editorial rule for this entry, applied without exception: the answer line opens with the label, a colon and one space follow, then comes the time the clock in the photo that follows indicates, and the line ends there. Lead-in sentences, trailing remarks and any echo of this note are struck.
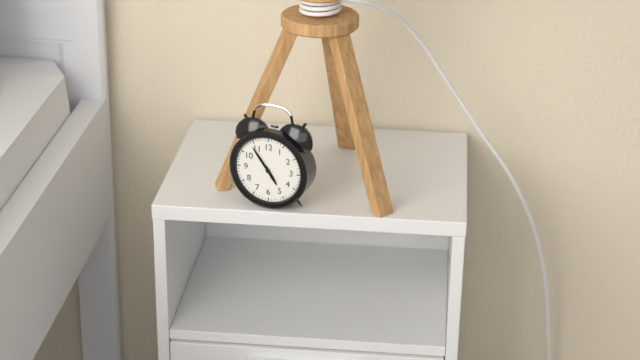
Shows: 4:54
